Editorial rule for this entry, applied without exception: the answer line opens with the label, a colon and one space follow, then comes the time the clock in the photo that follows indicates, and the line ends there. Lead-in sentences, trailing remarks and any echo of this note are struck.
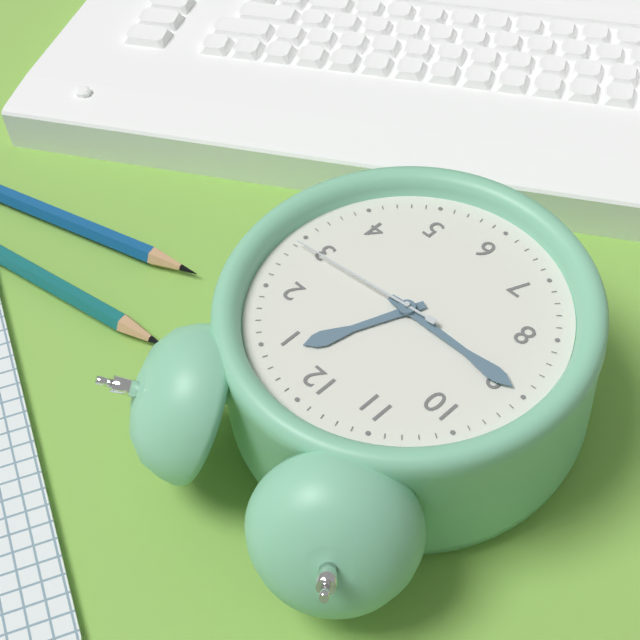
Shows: 12:45:14
